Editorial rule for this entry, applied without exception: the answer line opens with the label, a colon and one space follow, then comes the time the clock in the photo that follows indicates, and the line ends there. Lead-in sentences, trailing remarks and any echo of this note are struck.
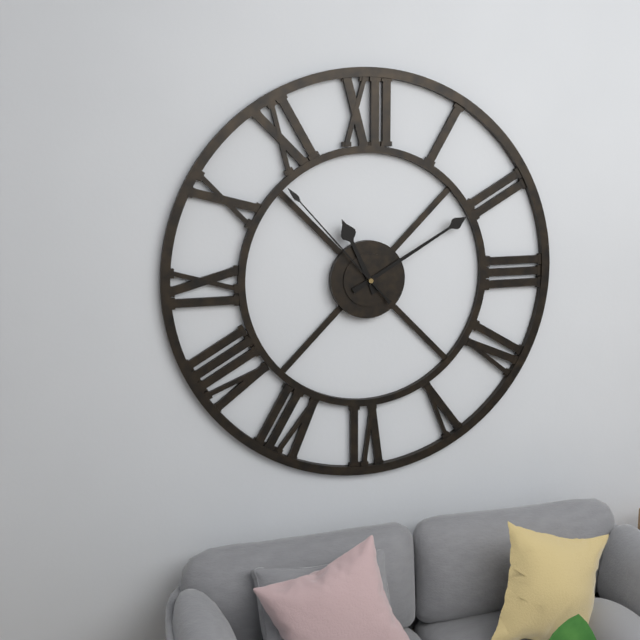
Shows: 11:10:53
